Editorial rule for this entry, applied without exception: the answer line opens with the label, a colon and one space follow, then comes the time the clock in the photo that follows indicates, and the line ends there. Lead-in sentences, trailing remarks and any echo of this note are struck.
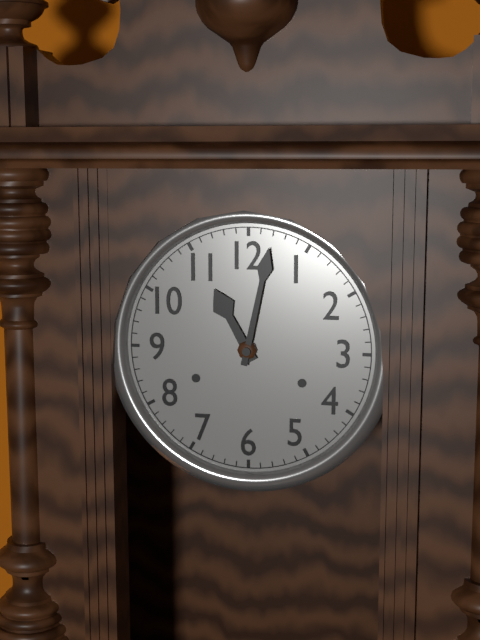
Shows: 11:02
